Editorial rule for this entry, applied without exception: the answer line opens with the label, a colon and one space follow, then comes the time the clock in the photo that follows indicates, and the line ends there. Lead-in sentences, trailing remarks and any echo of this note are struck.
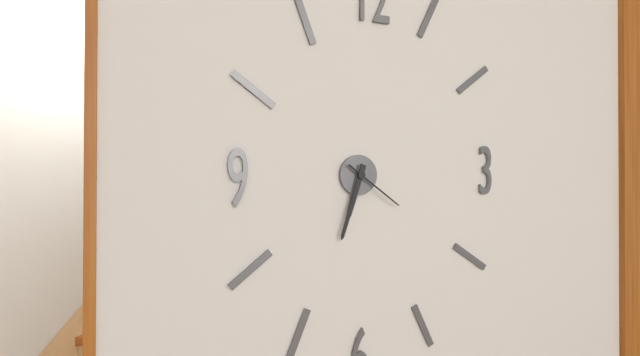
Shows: 6:33:21
